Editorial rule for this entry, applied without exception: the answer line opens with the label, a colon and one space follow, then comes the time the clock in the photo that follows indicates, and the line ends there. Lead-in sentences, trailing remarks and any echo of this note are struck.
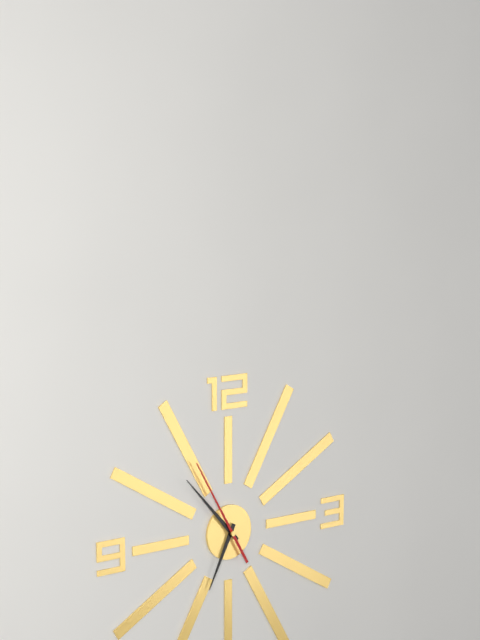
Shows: 6:53:55
